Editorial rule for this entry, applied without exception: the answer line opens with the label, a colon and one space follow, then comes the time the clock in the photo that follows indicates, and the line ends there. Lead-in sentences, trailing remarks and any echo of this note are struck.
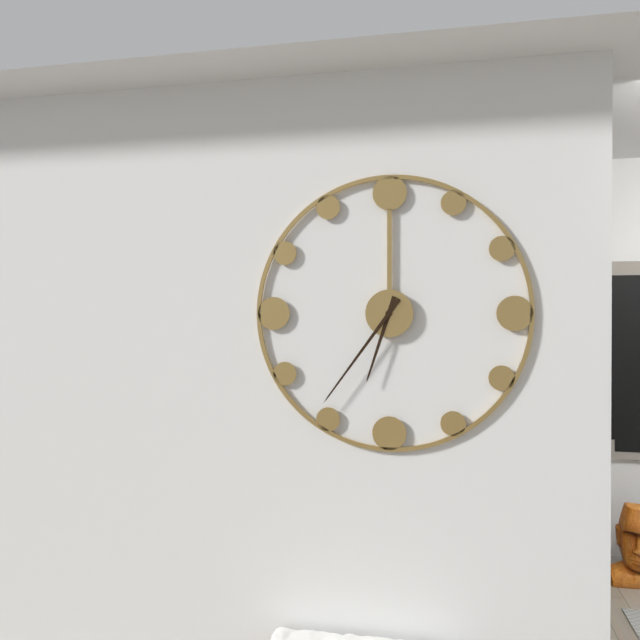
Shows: 6:36
